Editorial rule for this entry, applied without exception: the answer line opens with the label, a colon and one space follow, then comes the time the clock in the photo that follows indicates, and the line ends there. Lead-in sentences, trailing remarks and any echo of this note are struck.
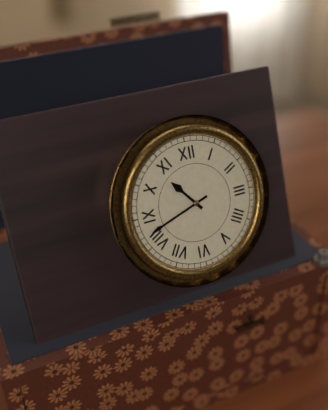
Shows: 10:42
